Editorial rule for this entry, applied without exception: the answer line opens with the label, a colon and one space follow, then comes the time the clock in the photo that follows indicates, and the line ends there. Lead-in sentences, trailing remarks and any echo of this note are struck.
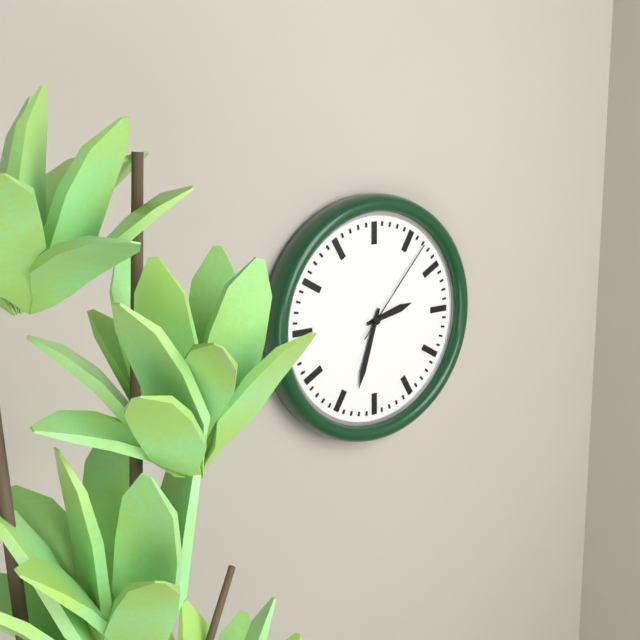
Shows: 2:33:07
